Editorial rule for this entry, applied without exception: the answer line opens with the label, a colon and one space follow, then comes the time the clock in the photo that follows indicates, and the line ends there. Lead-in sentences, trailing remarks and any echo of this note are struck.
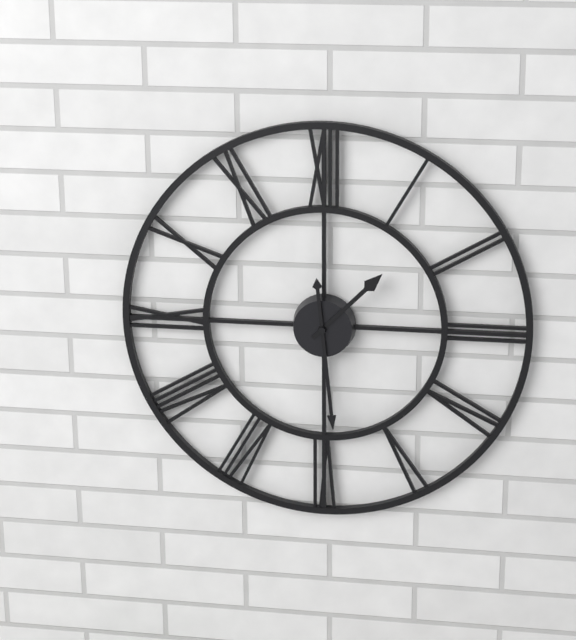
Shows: 1:29
